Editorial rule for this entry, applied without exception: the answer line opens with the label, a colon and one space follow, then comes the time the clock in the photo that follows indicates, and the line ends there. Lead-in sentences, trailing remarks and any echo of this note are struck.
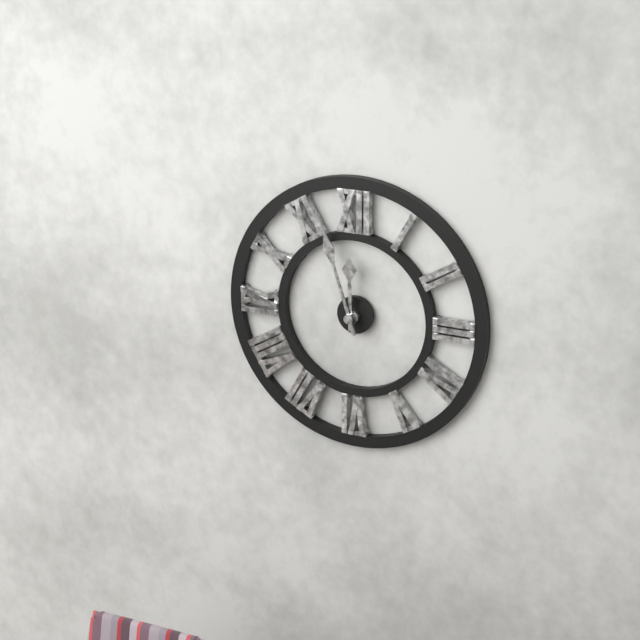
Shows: 11:57
